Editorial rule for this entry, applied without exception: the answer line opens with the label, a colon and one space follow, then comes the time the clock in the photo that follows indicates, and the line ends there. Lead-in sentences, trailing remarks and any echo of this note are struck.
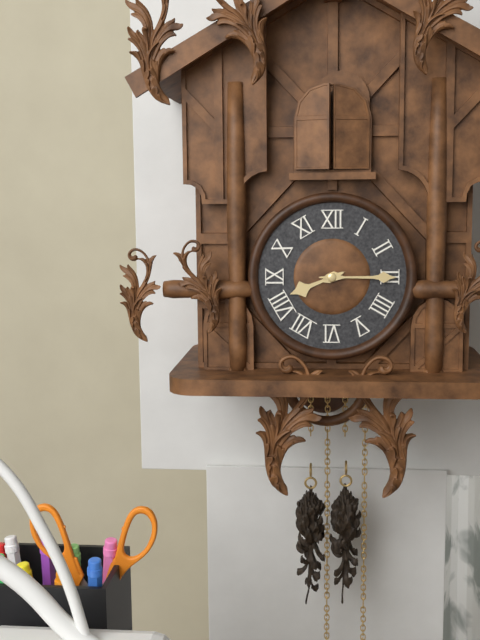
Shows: 8:15
